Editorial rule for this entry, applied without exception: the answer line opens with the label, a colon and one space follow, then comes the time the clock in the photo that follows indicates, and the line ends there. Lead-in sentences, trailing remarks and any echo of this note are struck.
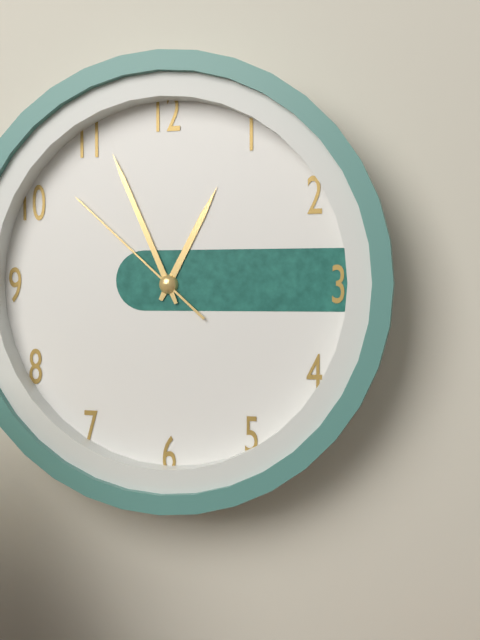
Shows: 12:56:52
